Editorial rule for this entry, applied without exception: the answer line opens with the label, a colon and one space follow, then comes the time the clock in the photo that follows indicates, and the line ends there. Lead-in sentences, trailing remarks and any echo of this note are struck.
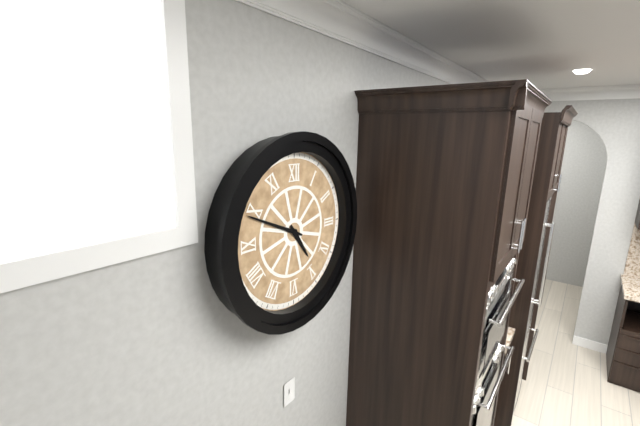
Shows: 4:49
